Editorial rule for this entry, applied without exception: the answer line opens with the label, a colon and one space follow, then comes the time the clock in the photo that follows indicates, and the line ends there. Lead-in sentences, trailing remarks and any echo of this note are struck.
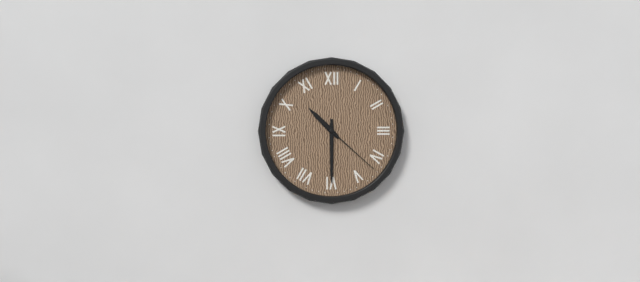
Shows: 10:30:22
